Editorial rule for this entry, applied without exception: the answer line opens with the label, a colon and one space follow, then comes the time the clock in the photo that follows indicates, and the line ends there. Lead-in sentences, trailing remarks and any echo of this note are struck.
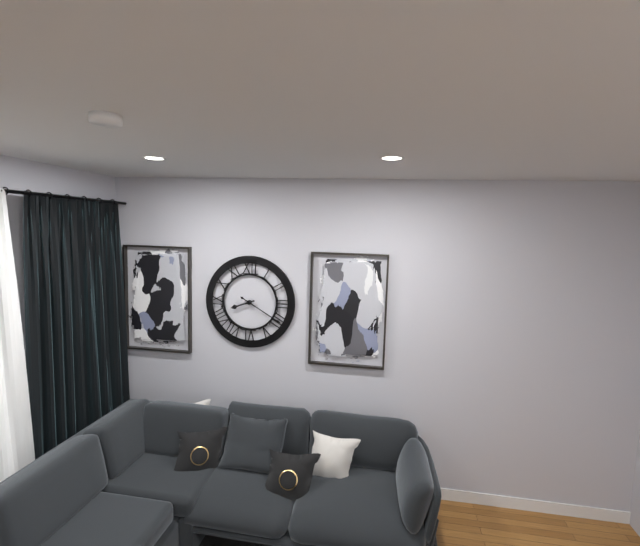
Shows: 8:20
